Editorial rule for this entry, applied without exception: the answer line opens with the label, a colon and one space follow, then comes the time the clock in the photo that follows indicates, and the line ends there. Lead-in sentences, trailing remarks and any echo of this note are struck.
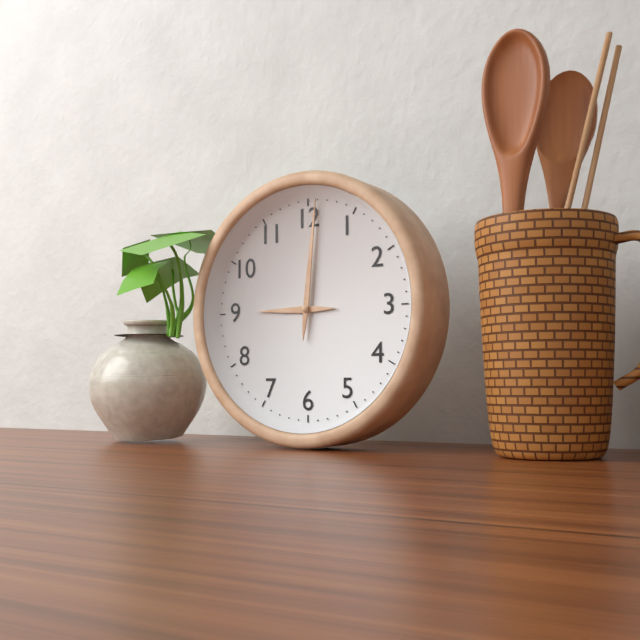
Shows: 9:01
